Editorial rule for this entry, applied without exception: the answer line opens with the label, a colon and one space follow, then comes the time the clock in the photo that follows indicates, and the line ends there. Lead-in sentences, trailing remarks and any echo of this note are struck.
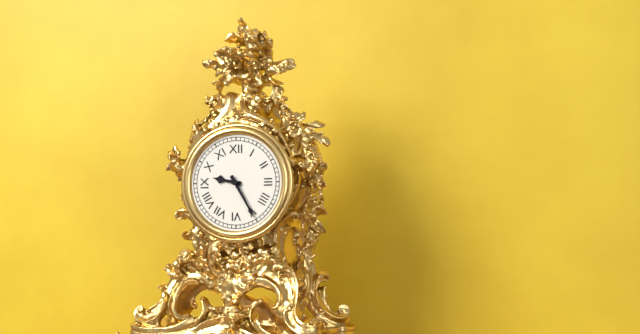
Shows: 9:25
